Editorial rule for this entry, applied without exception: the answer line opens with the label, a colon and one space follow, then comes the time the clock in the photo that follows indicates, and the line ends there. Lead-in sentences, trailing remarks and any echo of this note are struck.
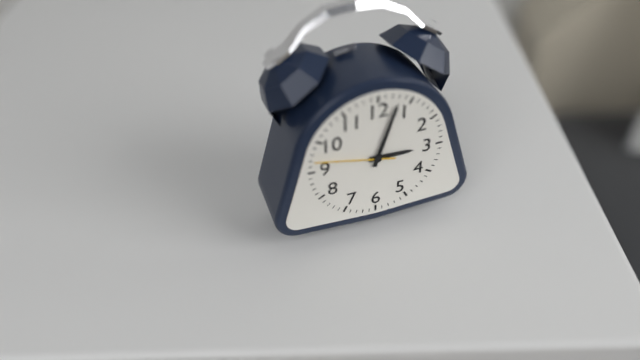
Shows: 3:03:47
